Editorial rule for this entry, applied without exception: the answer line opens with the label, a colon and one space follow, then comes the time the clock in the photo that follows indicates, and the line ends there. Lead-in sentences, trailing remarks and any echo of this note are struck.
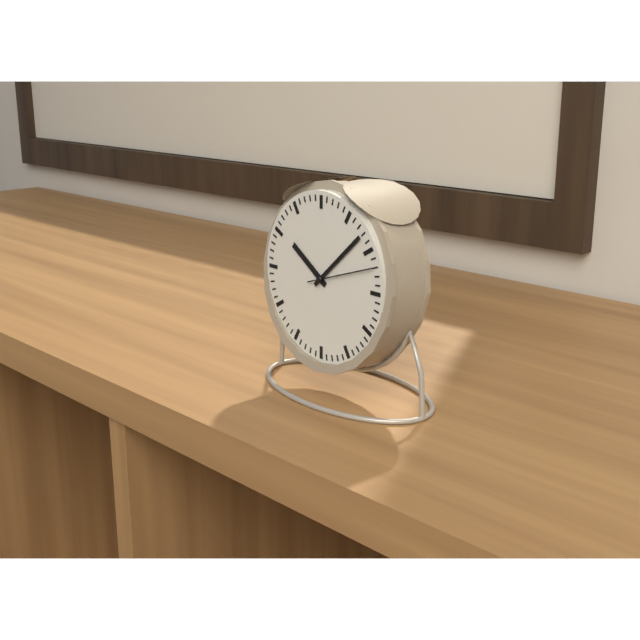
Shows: 10:08:12
